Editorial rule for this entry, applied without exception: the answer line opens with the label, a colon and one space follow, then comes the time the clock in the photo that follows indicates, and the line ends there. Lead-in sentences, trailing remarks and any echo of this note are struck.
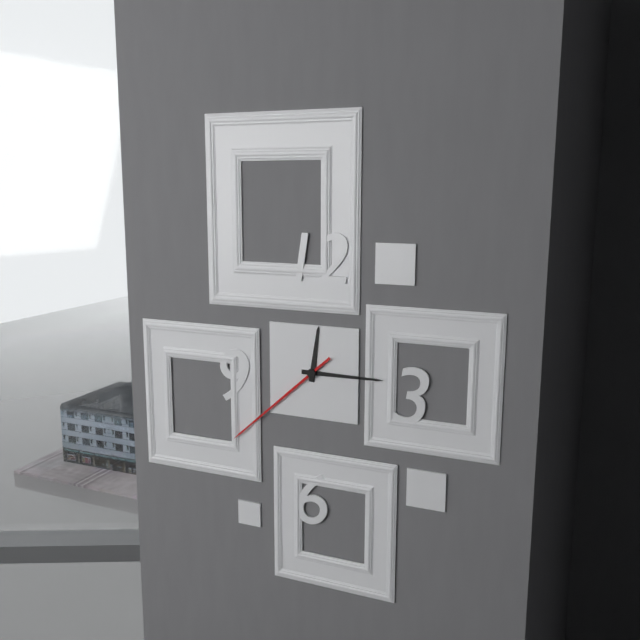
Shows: 12:15:38
